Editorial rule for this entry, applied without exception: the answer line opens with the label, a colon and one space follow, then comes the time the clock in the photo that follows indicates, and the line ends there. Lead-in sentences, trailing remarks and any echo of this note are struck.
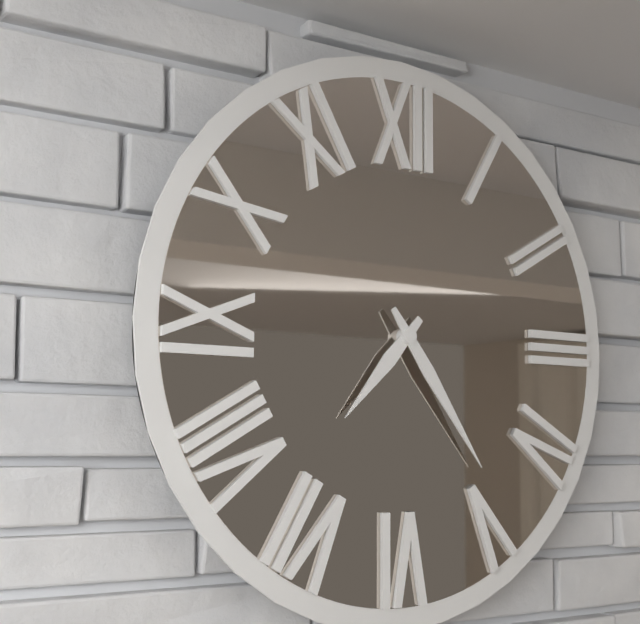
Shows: 7:24
